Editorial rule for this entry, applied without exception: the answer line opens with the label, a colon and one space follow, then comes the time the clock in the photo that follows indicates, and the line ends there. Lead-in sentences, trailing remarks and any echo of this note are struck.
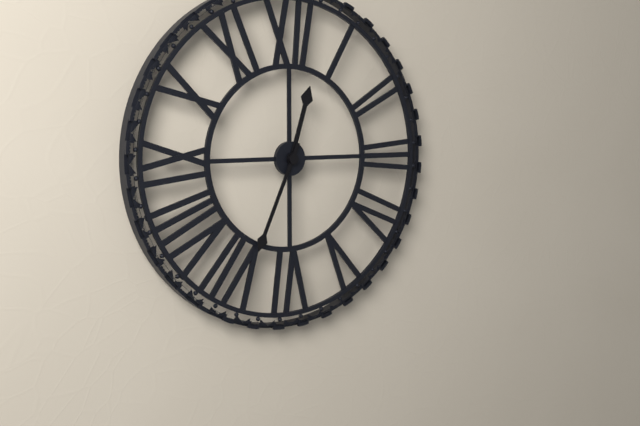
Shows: 12:34
